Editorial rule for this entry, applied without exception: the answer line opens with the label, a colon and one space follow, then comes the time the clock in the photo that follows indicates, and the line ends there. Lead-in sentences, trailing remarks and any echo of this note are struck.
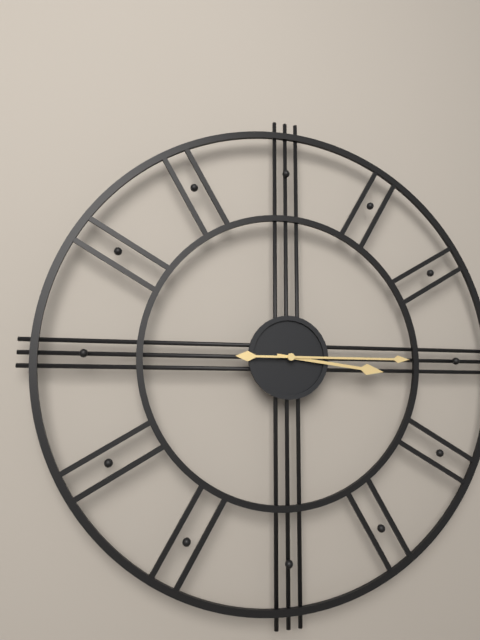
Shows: 3:15
